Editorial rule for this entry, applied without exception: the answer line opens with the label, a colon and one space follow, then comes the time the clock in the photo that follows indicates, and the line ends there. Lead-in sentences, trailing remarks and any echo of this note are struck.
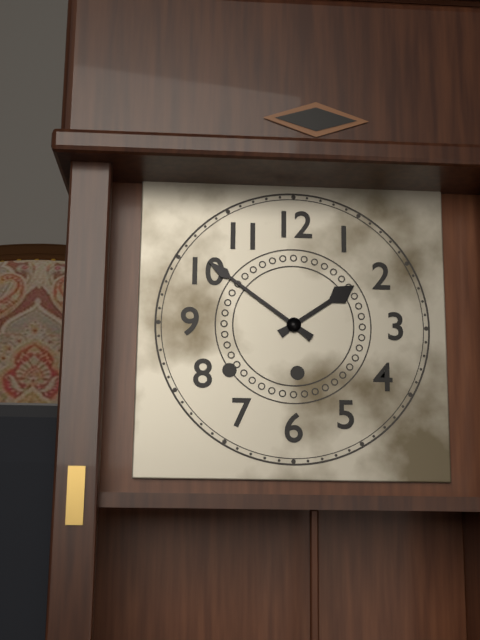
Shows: 1:51
